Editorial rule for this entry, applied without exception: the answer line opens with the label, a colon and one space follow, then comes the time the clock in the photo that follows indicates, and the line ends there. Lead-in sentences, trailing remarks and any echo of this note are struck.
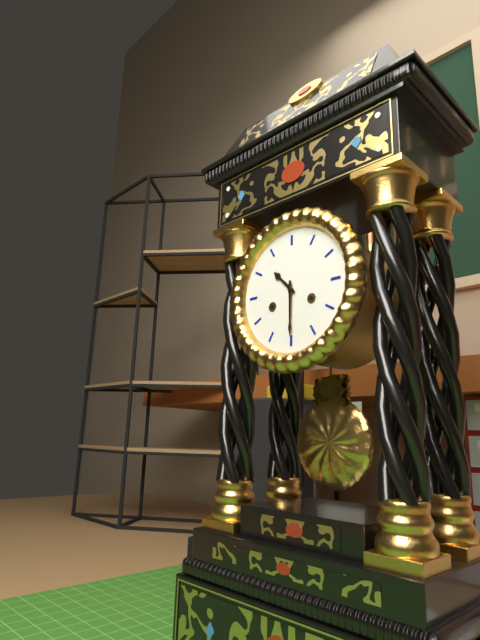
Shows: 10:30
